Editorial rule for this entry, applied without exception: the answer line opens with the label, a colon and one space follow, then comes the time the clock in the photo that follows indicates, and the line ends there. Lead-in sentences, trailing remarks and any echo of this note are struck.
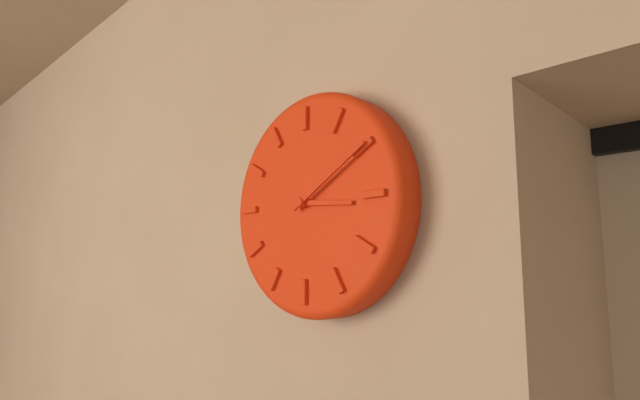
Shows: 3:10
